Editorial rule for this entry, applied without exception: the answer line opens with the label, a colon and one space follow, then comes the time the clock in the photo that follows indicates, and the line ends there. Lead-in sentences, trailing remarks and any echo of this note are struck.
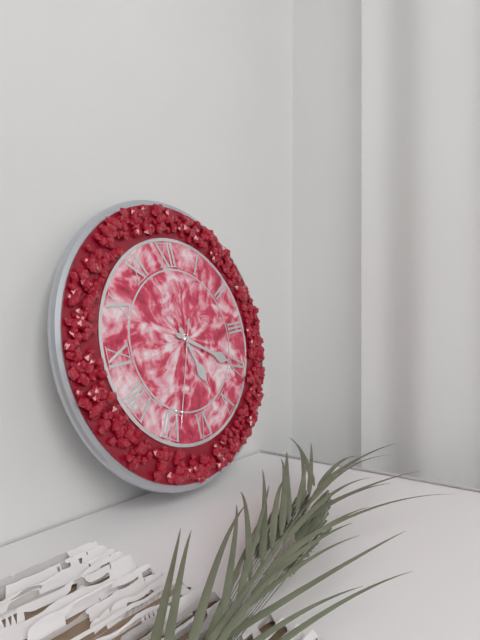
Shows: 5:20:34
